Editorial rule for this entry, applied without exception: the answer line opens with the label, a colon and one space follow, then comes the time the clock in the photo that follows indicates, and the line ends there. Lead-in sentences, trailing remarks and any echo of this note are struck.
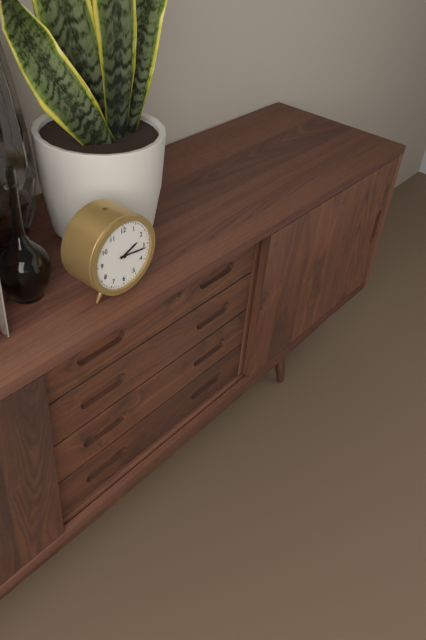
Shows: 2:16
